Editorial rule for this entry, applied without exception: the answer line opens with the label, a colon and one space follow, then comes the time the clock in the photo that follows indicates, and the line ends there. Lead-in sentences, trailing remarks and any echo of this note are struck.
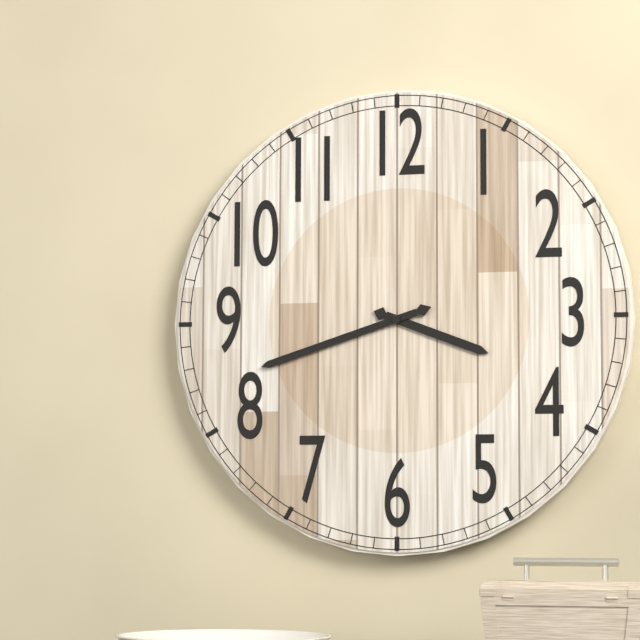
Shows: 3:42
